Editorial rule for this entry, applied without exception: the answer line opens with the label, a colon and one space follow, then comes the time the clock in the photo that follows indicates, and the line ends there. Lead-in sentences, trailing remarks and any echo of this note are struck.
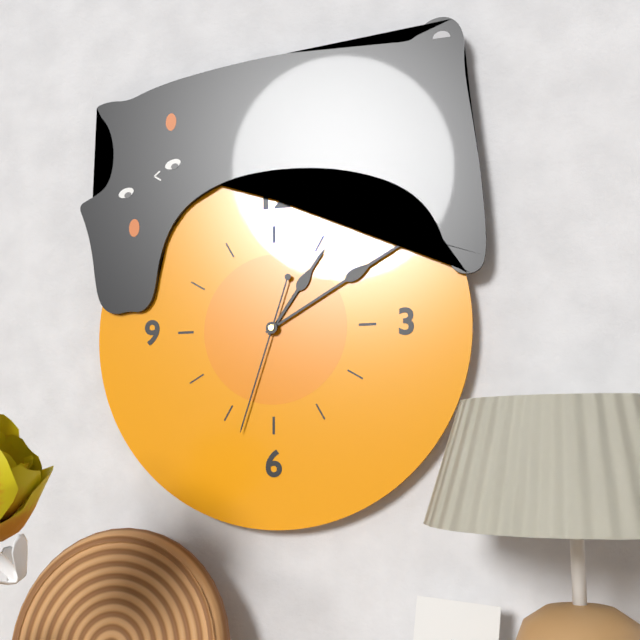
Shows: 1:10:33
